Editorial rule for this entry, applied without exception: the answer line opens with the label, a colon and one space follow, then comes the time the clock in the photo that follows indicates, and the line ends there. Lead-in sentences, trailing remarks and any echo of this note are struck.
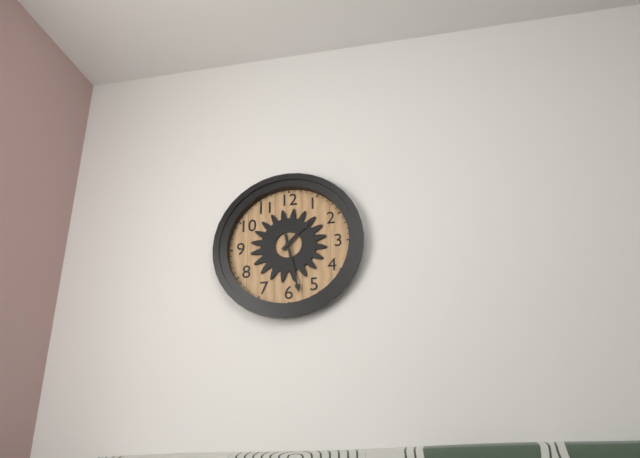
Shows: 1:28
